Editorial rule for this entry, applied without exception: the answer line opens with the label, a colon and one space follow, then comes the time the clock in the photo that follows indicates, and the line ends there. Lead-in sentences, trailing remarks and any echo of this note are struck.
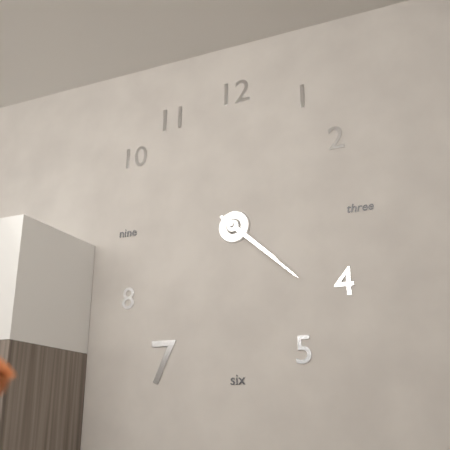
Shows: 4:22
